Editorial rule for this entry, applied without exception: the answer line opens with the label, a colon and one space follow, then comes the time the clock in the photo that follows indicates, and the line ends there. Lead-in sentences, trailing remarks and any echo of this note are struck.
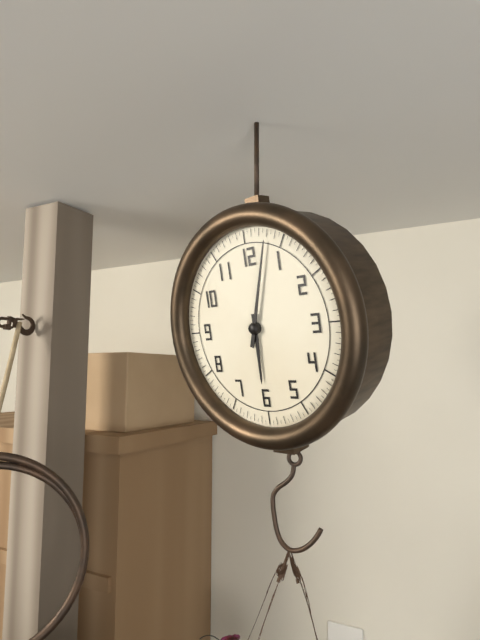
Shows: 6:03
